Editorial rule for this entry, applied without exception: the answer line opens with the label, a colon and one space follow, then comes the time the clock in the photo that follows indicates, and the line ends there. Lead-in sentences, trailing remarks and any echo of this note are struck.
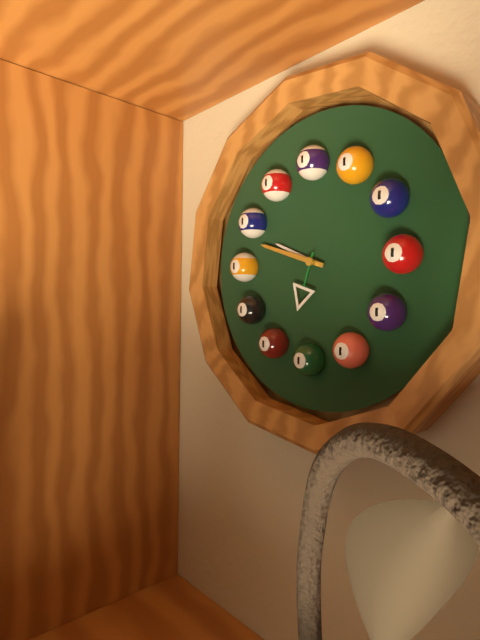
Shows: 9:48:33
